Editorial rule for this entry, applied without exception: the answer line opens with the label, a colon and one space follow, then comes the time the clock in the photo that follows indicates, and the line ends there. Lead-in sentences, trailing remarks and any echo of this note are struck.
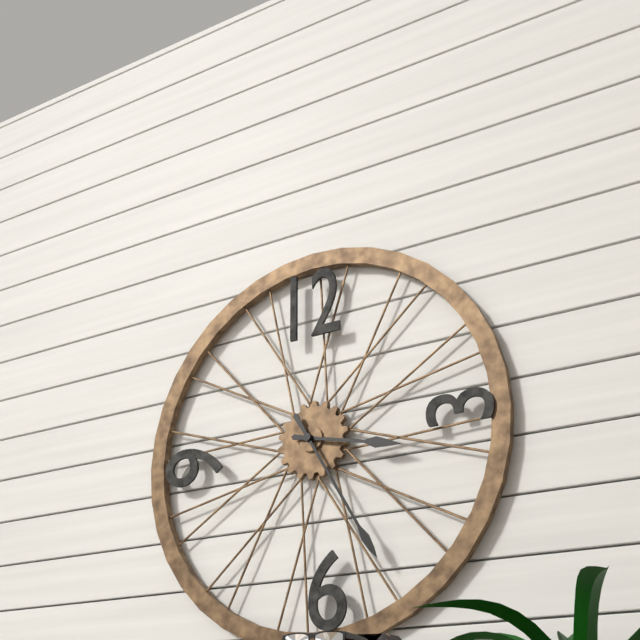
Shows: 3:25
